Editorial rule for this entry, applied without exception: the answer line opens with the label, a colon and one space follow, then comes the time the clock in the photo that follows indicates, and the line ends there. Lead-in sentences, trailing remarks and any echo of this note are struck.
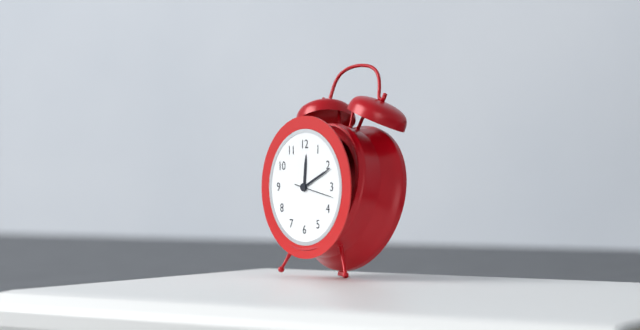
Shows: 12:11
